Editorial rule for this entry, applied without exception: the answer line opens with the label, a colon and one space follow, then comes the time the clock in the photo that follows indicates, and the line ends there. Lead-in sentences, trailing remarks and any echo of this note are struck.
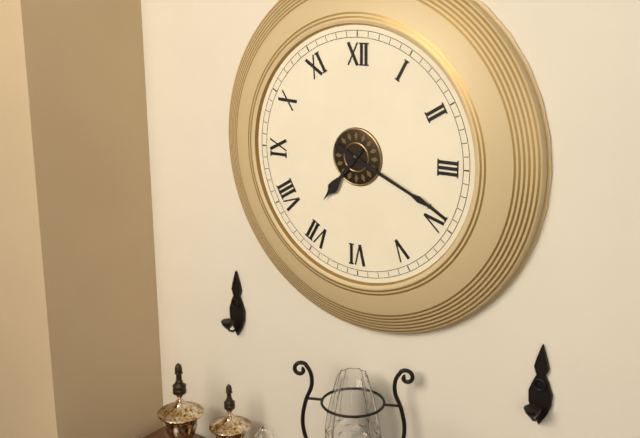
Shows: 7:19
